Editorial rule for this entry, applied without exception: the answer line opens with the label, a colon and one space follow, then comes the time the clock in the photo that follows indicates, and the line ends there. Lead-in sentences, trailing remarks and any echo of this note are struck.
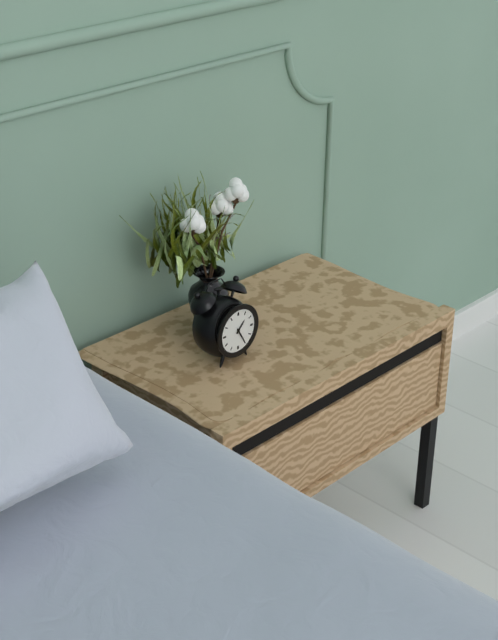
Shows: 1:25
